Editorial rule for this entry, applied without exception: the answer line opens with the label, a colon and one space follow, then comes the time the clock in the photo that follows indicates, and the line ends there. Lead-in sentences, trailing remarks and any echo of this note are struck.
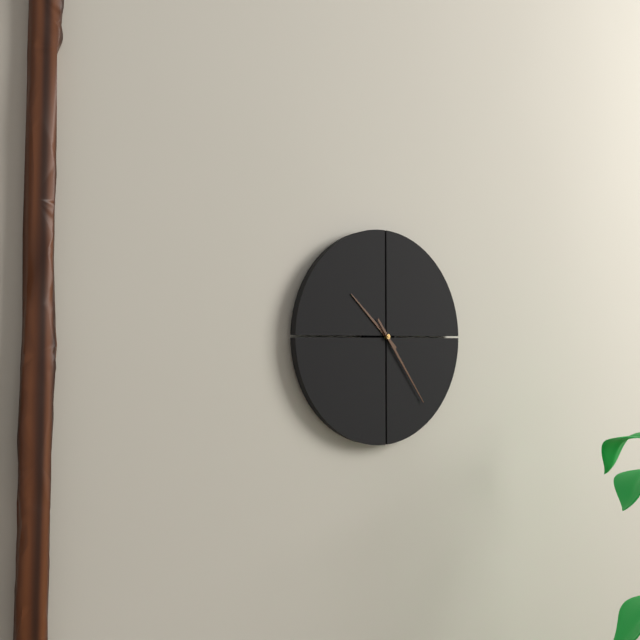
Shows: 10:24
